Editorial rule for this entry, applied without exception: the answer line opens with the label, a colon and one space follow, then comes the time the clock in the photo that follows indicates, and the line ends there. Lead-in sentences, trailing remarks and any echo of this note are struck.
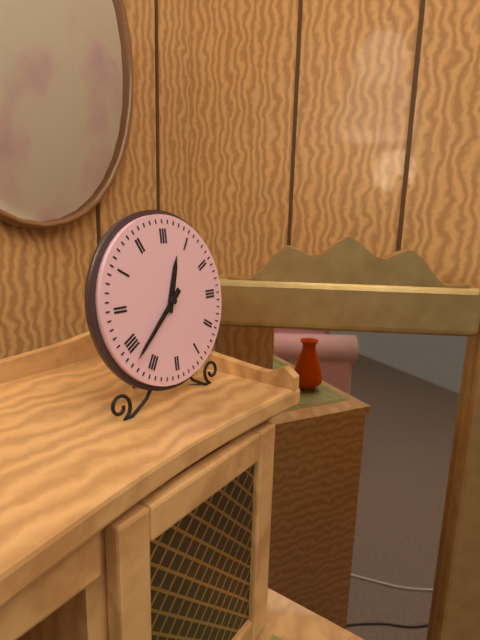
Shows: 12:38
